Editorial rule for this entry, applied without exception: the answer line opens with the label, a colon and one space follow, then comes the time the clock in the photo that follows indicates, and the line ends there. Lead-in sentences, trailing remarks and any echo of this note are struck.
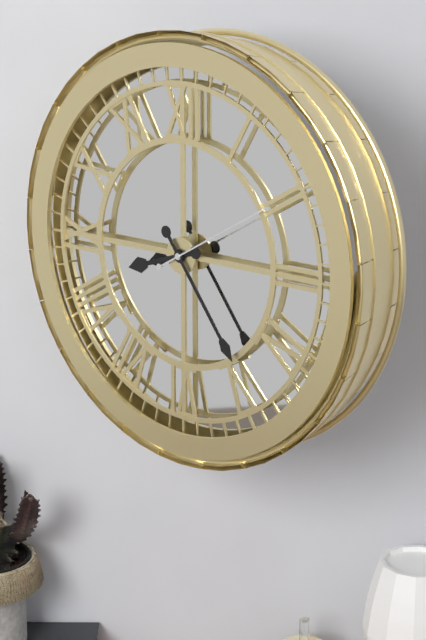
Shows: 8:24:10
